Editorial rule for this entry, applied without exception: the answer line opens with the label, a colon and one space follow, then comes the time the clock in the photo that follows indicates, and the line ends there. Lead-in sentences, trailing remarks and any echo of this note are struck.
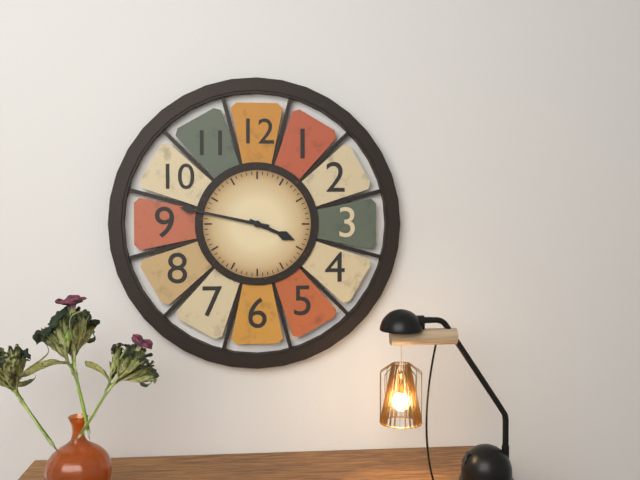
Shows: 3:47
